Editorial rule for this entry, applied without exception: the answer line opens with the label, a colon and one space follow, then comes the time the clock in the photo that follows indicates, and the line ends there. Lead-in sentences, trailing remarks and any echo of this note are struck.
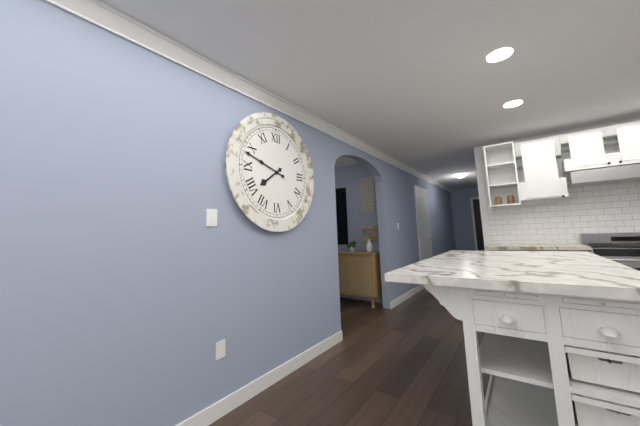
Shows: 7:48
